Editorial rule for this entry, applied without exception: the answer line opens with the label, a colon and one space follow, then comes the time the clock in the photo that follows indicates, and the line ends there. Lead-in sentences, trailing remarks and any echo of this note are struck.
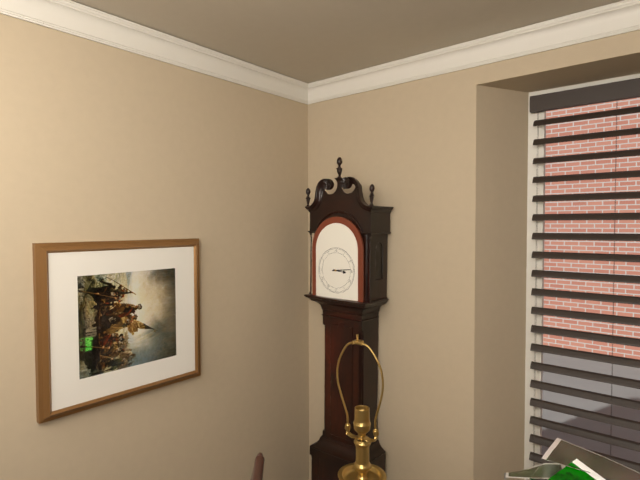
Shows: 3:14
